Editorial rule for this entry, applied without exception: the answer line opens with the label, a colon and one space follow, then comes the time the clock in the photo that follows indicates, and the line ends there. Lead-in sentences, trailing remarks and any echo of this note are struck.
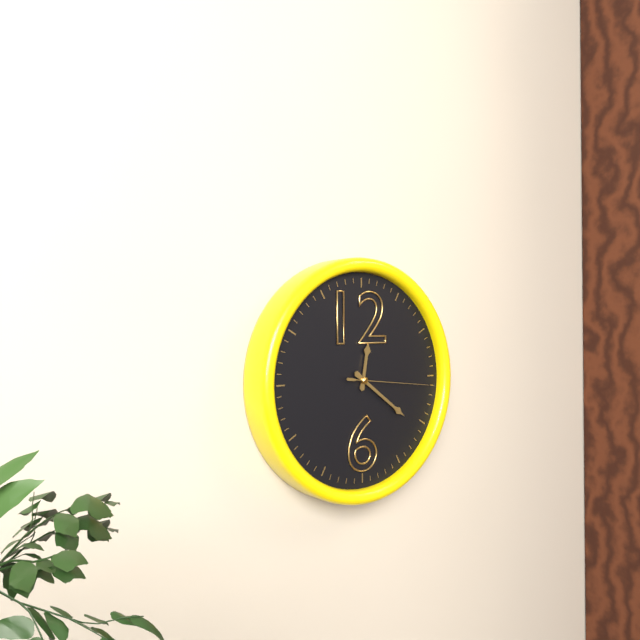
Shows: 12:21:16
